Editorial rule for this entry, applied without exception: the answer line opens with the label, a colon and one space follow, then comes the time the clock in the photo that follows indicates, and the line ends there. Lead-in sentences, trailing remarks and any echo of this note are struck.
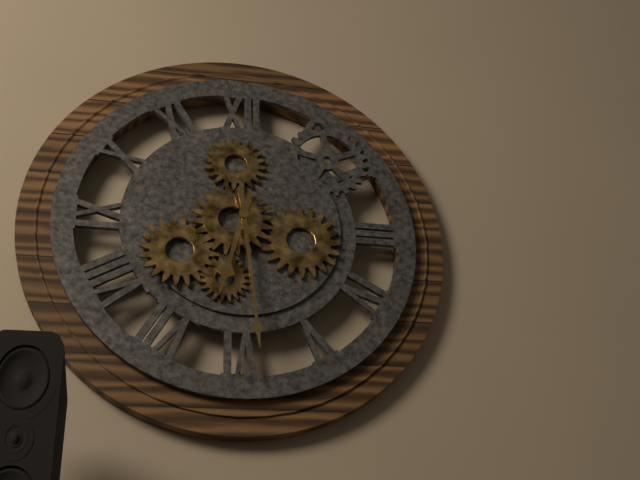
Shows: 6:29
